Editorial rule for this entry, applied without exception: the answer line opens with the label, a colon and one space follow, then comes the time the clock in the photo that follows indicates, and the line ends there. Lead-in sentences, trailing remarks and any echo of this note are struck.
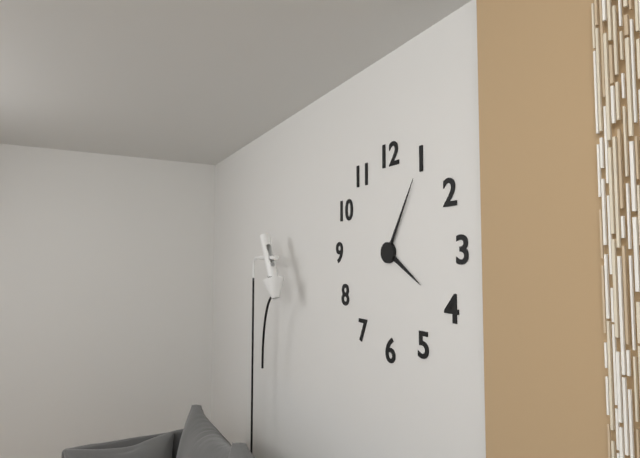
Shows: 4:05
